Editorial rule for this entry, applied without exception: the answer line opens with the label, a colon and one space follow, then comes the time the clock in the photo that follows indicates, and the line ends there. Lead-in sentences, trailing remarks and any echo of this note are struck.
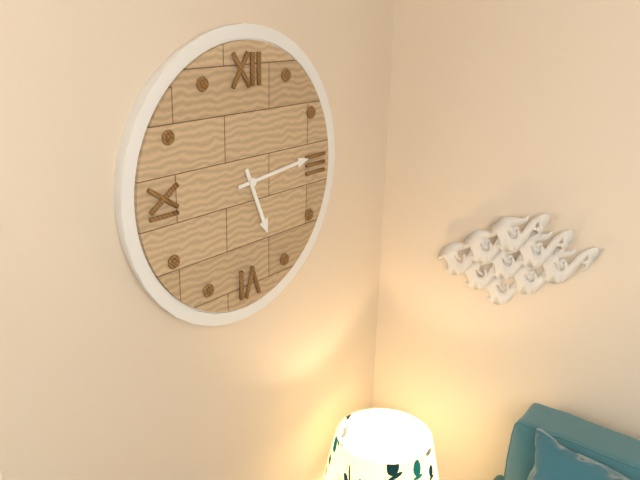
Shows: 5:14
